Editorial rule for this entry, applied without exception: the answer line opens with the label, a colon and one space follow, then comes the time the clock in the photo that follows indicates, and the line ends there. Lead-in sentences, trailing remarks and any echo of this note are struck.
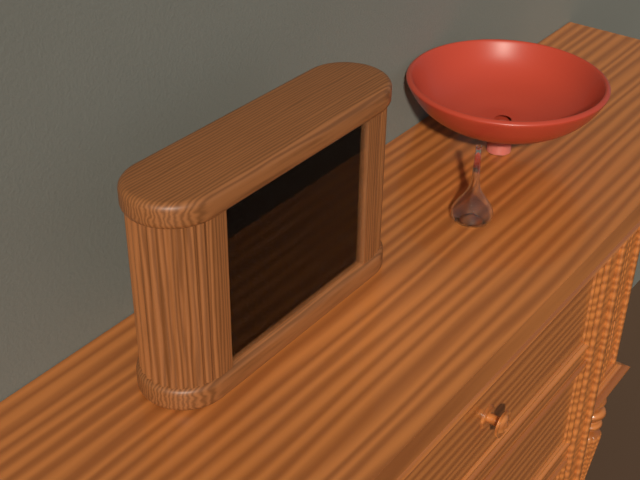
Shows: 8:31
